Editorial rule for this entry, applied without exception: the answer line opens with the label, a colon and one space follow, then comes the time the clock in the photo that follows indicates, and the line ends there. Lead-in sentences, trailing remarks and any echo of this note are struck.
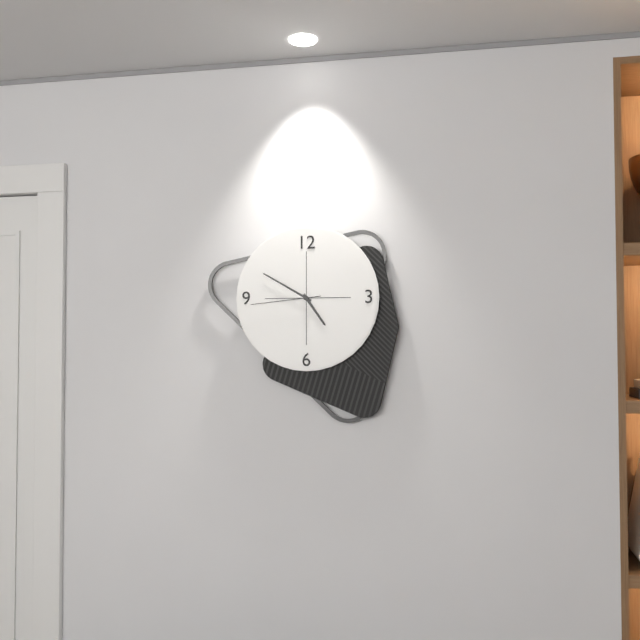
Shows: 4:50:44
